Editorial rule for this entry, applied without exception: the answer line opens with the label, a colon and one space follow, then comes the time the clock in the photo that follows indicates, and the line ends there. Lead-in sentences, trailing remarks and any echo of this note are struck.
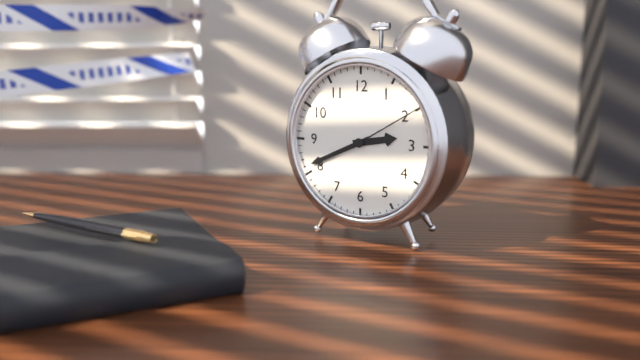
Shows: 2:41:10
